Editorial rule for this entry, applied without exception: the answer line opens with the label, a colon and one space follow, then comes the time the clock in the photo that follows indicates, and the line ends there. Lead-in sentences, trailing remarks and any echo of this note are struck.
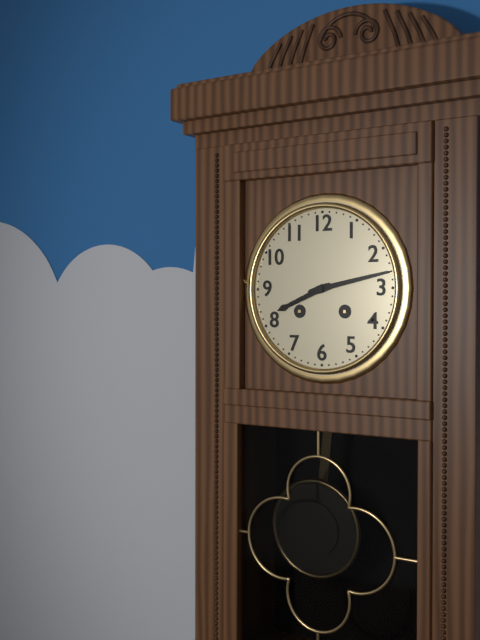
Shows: 8:13
